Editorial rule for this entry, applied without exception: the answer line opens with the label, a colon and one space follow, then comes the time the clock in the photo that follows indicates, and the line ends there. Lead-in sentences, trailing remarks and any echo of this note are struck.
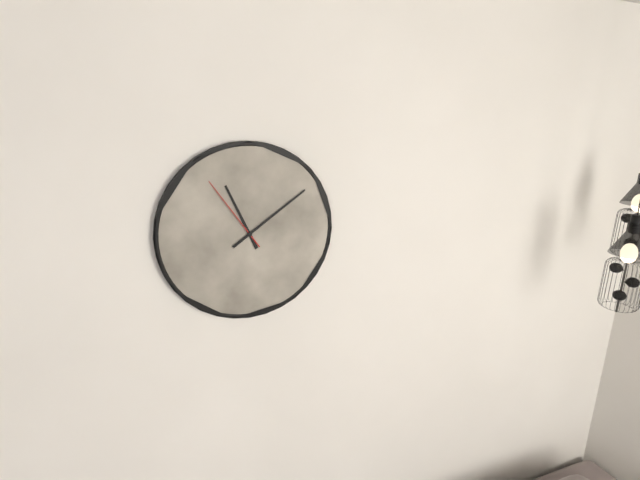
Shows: 11:09:54
